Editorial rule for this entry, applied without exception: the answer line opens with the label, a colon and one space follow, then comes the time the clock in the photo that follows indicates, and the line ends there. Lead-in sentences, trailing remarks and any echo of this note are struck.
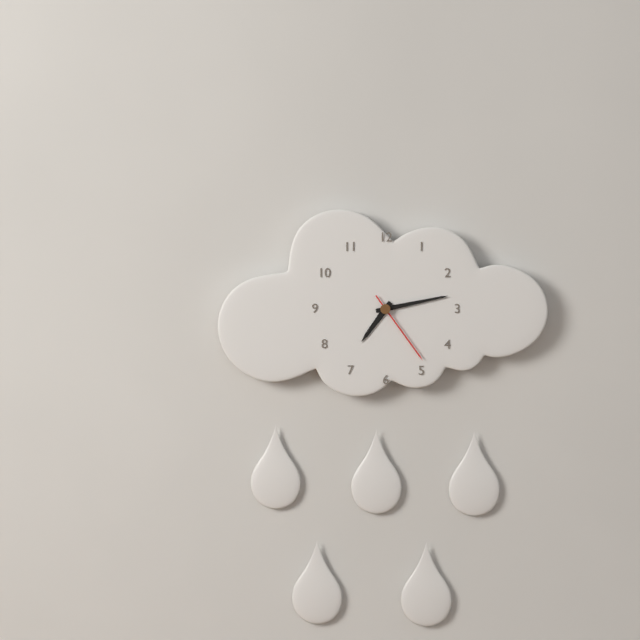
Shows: 7:13:24
